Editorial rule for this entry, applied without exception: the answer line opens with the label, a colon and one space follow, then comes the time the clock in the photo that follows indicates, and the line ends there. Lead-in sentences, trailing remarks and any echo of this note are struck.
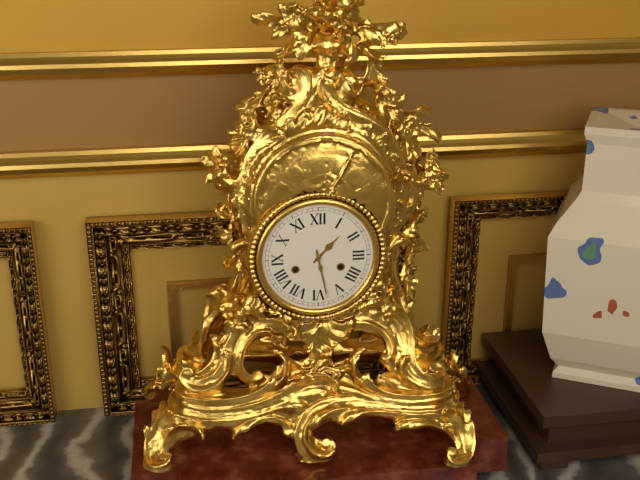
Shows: 1:28
